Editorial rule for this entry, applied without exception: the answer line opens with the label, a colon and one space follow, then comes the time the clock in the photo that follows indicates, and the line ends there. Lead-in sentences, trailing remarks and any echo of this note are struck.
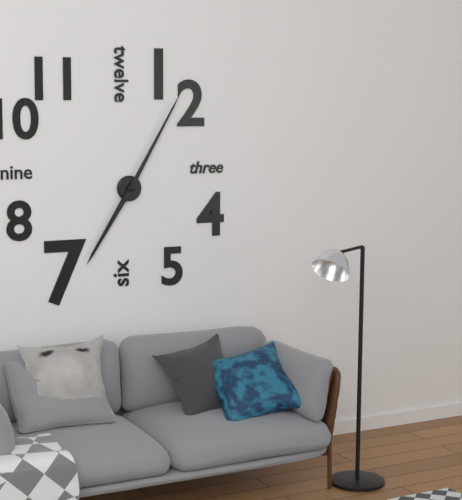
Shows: 7:05
